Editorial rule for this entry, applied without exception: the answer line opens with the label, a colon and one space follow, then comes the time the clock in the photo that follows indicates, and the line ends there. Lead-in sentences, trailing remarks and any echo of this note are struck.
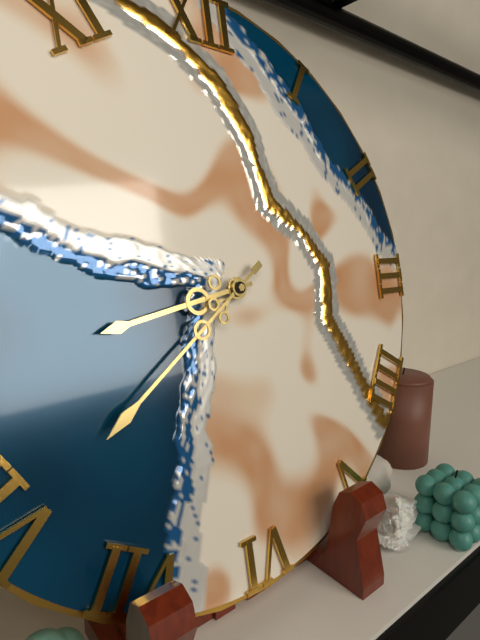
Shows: 8:39
